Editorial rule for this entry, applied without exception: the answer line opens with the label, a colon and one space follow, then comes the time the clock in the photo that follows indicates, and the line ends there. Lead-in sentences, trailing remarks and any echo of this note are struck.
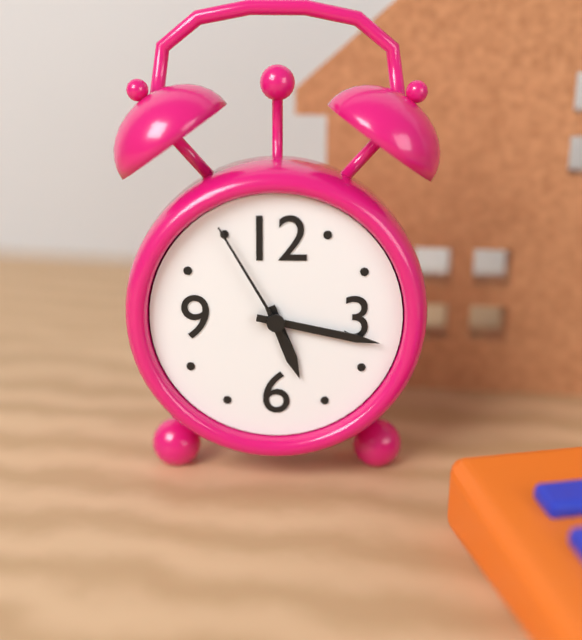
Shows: 5:17:55
